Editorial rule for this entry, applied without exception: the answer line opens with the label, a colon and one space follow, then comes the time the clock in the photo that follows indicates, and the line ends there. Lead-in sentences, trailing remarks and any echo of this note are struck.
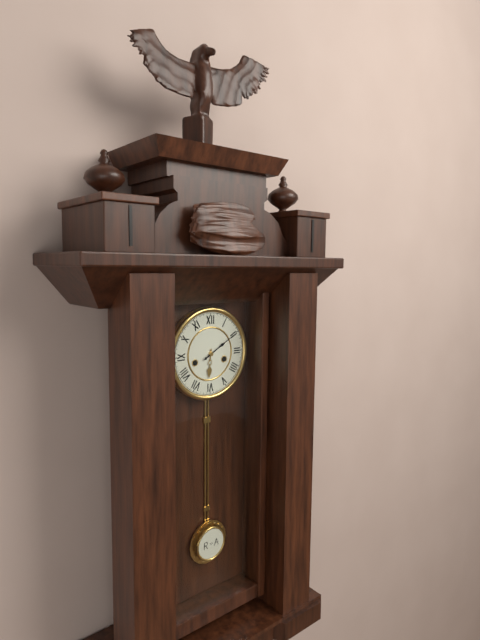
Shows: 6:10
